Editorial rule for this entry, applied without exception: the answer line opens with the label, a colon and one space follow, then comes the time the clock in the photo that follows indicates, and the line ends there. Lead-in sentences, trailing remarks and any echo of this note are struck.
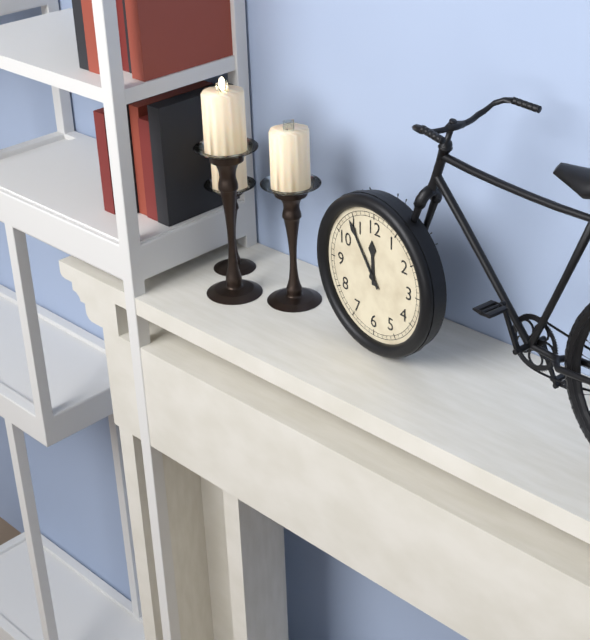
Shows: 11:54
